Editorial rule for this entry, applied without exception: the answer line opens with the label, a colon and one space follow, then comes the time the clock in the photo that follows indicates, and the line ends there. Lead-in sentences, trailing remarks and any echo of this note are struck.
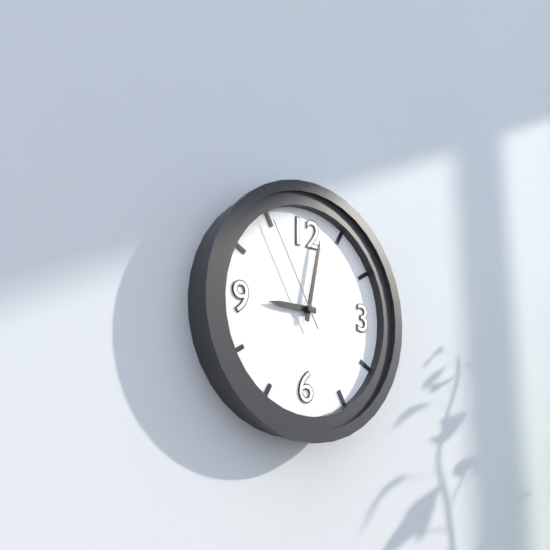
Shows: 9:02:55
